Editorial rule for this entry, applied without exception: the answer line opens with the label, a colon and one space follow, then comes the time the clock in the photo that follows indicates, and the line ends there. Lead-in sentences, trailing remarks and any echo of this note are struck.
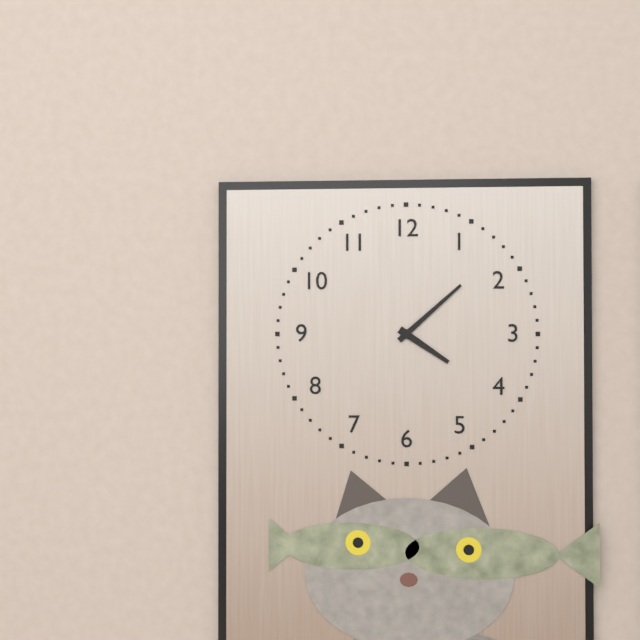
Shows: 4:08
